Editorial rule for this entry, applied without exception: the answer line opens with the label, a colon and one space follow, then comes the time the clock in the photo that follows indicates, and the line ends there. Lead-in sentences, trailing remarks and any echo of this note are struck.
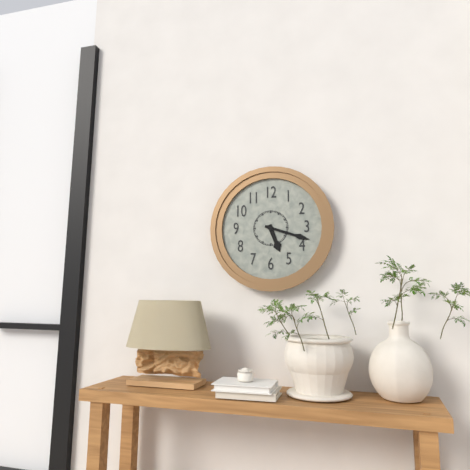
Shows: 5:18
